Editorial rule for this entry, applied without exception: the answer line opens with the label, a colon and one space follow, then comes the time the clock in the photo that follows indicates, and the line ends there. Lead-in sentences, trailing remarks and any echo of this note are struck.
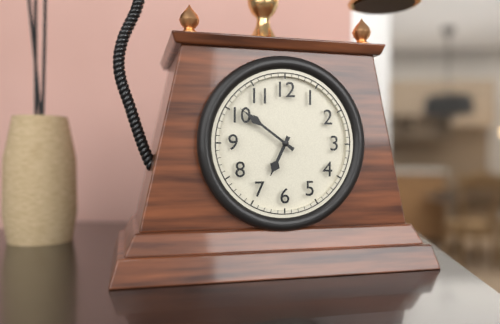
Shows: 6:51
